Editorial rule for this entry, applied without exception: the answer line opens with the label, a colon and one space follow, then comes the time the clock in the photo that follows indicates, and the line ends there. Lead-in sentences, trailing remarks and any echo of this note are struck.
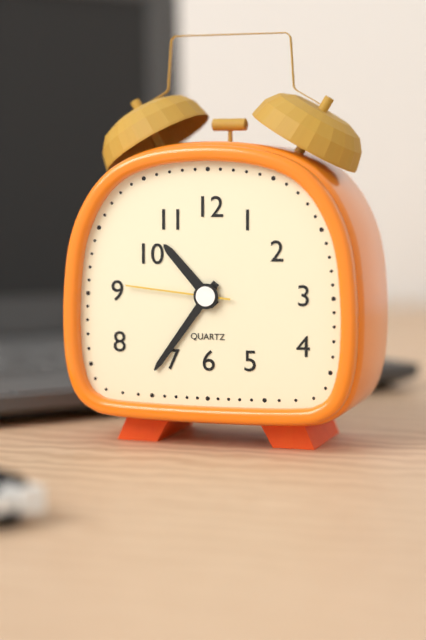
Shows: 10:36:46
